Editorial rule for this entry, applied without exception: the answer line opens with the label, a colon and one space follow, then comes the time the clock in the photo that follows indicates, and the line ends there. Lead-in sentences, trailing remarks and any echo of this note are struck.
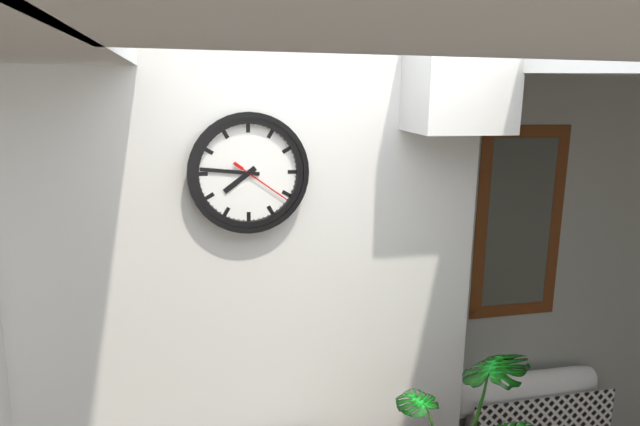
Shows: 7:46:21
